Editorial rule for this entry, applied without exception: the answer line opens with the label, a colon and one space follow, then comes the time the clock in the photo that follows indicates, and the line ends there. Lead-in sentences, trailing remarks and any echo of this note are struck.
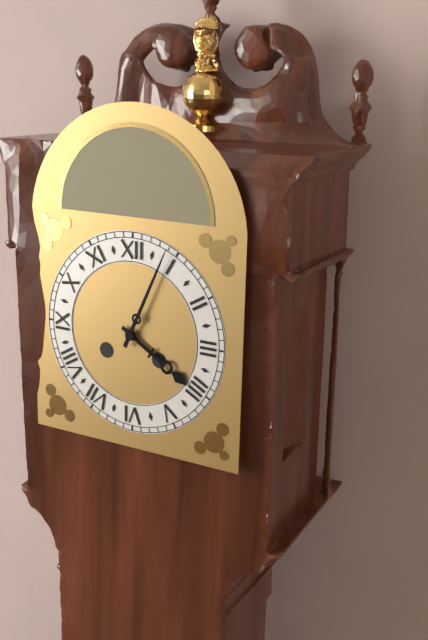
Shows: 4:04
